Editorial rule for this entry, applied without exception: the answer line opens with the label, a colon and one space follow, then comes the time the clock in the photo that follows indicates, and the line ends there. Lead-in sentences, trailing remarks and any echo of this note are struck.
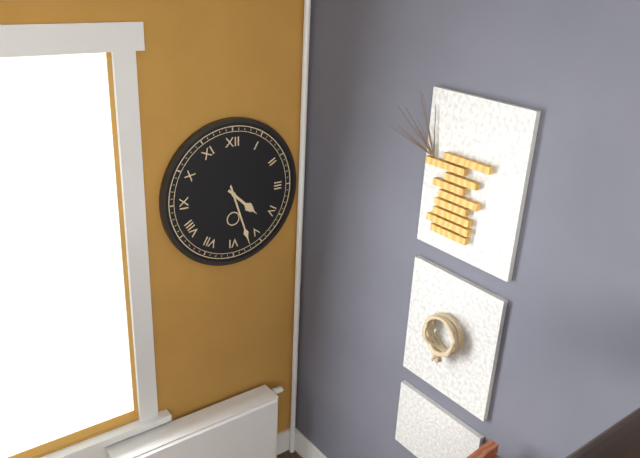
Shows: 4:27
